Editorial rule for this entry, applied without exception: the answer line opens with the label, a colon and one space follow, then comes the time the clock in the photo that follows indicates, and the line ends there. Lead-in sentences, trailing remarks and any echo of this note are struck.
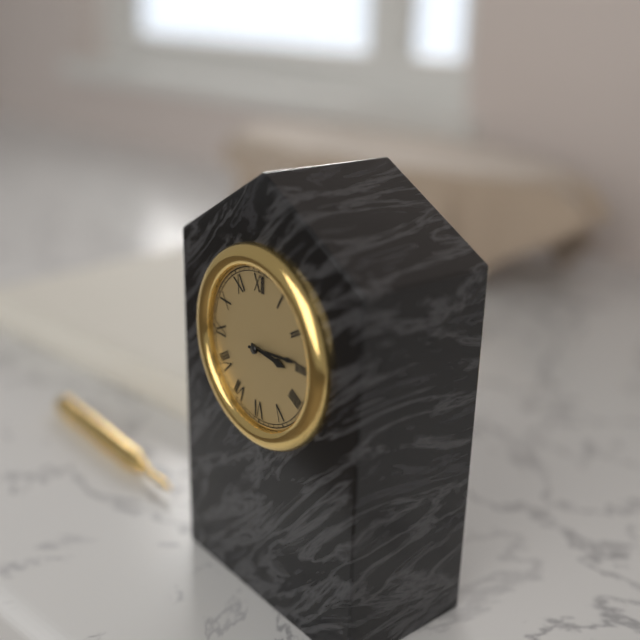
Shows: 3:14
